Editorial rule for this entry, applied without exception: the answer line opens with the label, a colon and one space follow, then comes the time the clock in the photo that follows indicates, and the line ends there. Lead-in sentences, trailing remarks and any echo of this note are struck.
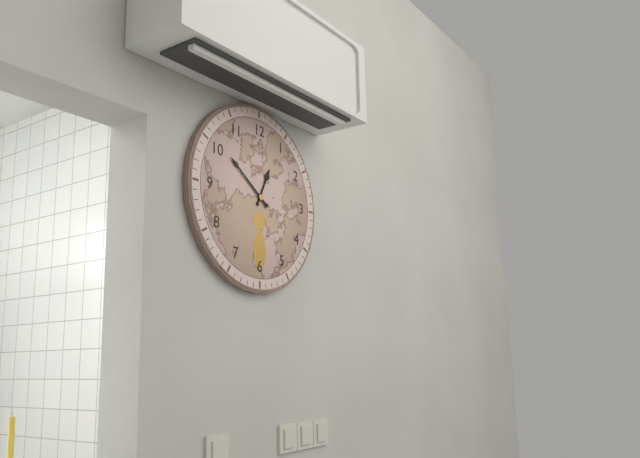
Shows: 12:51
